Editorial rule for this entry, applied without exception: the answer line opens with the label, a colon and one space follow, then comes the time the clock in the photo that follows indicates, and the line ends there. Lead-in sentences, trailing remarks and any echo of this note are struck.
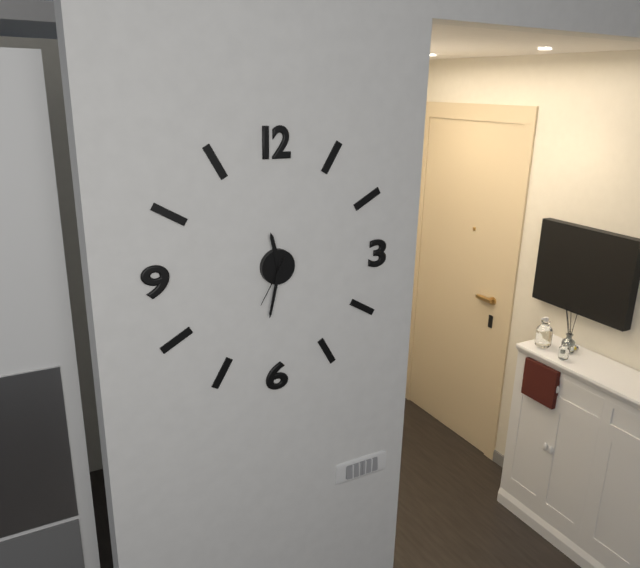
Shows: 11:32:35
